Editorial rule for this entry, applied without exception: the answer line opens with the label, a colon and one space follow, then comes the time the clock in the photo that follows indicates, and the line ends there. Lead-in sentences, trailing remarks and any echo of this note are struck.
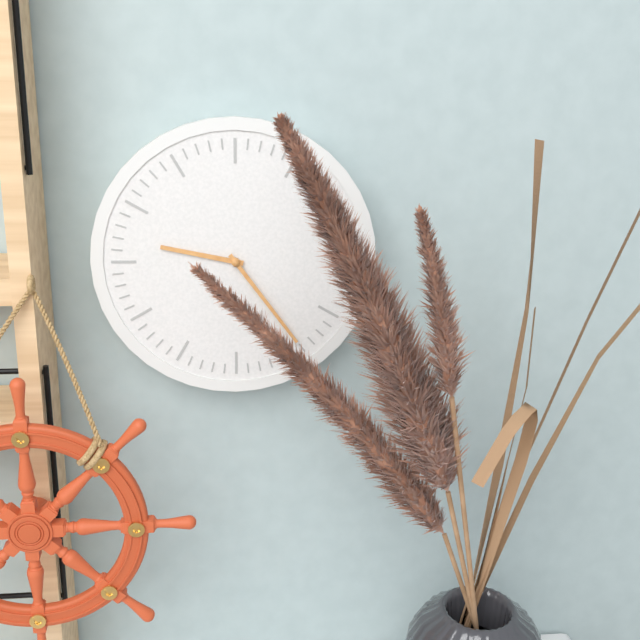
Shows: 9:24
